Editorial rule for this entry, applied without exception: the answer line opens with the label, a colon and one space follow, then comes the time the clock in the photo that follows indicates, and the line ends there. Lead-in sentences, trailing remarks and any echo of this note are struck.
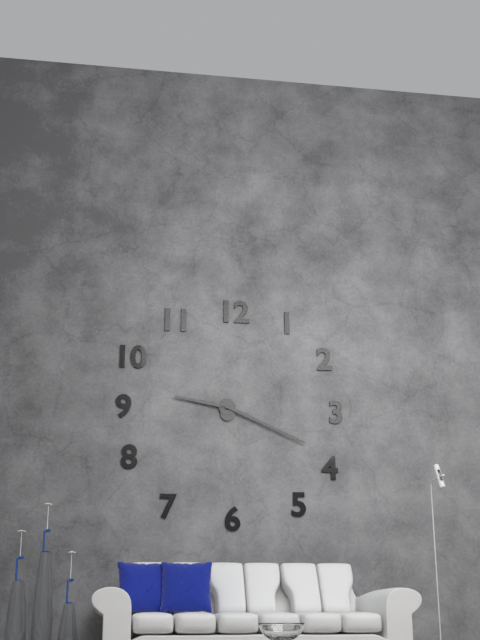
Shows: 9:19
